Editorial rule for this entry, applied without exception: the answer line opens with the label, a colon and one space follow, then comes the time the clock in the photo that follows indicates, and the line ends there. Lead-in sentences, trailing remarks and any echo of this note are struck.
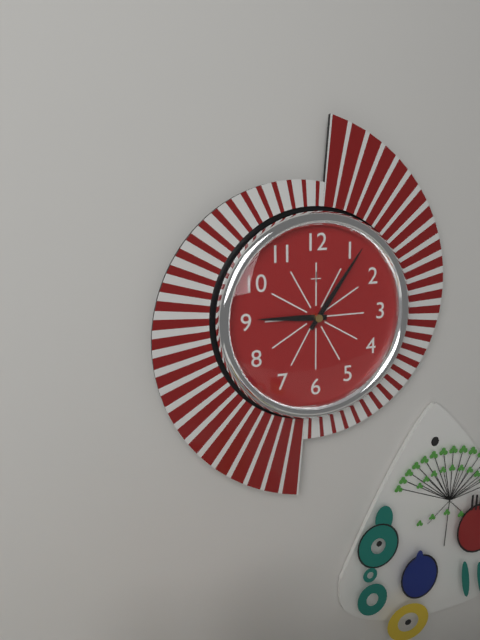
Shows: 9:06
